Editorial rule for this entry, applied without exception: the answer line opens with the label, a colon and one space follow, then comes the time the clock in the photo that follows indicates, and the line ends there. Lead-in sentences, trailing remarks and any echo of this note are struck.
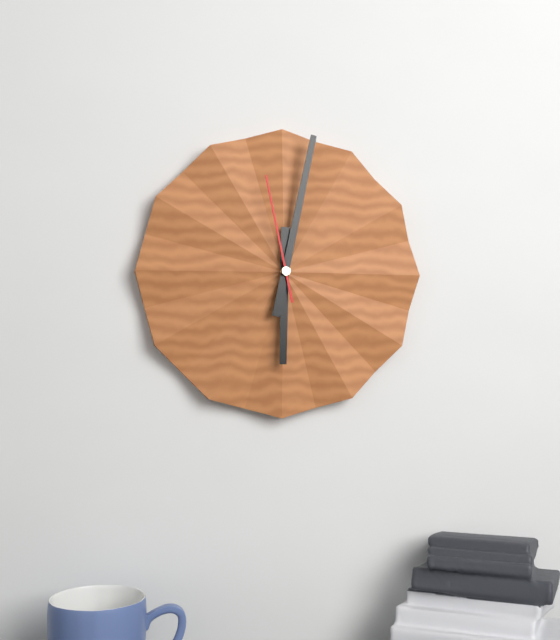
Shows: 6:02:58
